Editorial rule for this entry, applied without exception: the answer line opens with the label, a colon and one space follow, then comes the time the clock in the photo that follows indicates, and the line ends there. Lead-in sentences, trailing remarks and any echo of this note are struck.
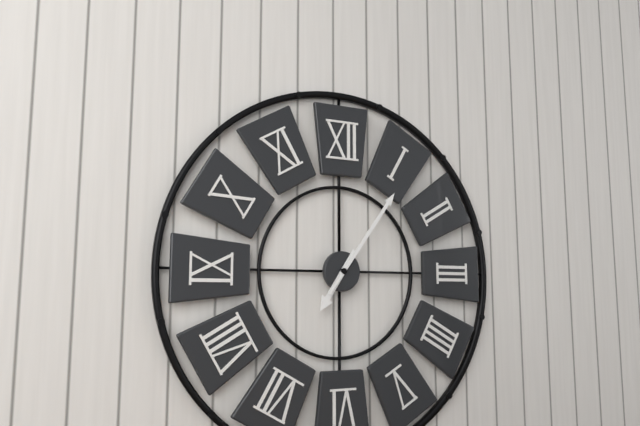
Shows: 7:06
